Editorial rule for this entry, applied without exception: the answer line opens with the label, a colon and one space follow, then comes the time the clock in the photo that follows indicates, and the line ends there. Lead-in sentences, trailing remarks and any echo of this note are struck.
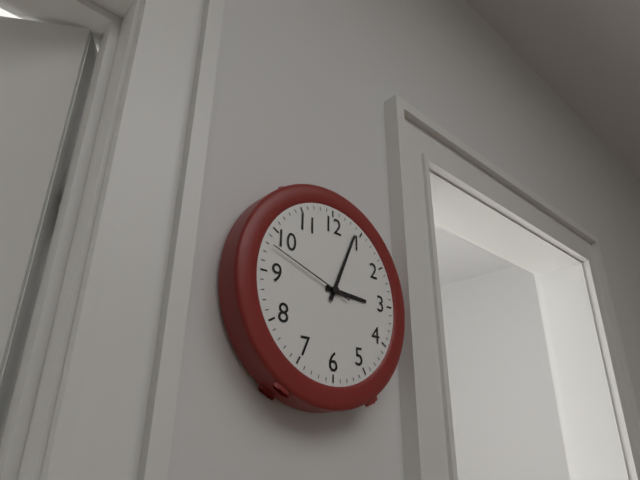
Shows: 3:04:48
